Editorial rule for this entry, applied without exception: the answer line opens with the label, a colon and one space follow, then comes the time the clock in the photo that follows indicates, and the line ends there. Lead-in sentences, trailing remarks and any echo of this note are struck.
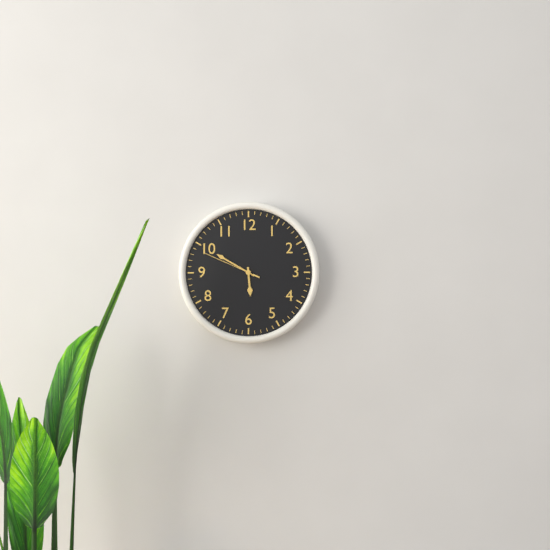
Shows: 5:50:49
